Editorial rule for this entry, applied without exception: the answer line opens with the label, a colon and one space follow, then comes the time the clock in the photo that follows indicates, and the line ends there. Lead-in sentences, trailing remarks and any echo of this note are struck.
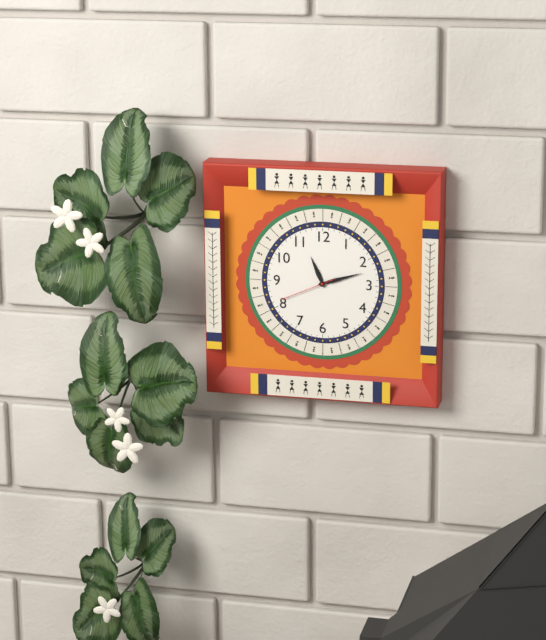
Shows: 11:12:41
